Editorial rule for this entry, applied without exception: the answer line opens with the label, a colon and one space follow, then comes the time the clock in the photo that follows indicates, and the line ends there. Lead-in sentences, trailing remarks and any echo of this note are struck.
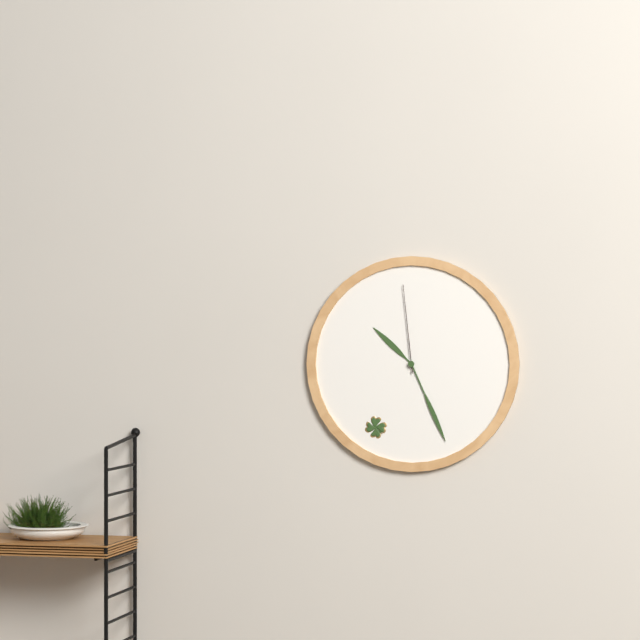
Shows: 10:26:59
